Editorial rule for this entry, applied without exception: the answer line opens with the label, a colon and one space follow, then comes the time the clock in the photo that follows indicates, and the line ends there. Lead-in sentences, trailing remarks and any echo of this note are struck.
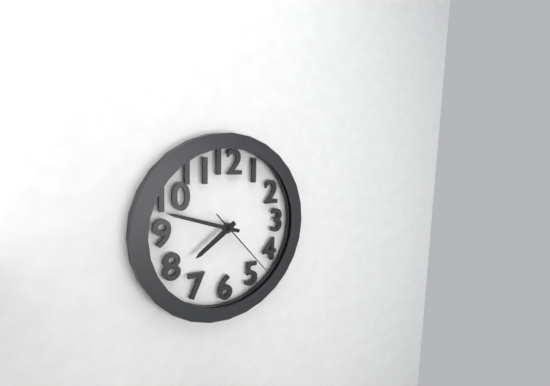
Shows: 7:48:23
